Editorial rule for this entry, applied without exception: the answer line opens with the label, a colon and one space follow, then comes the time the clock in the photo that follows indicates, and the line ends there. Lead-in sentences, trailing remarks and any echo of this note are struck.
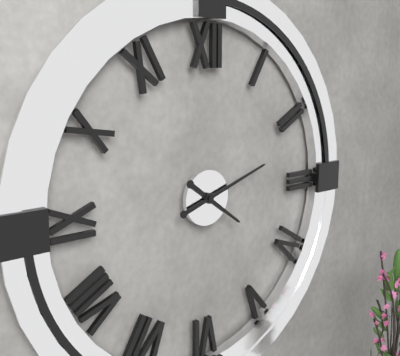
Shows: 4:12
